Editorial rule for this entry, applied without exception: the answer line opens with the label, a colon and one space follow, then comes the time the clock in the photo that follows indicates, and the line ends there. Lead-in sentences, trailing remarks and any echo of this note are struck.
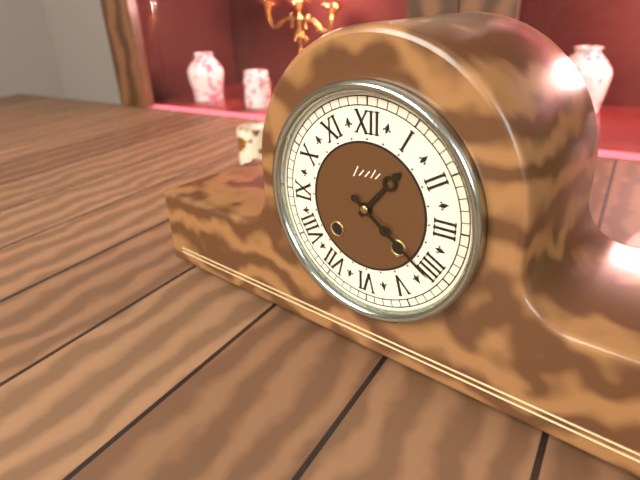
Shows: 1:21
